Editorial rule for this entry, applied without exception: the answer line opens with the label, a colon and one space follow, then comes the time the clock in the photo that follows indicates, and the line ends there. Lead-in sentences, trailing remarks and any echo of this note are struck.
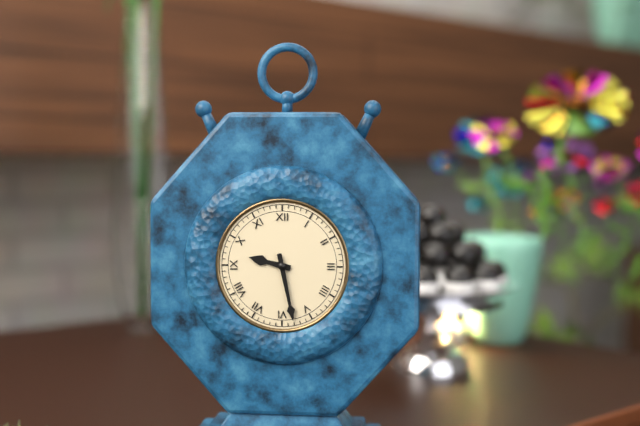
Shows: 9:28
